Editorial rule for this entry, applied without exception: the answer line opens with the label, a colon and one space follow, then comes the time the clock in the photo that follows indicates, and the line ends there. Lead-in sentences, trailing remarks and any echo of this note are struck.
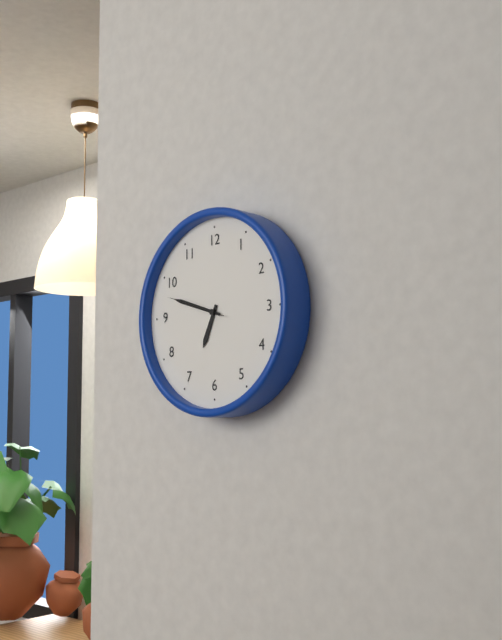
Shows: 6:48:48
